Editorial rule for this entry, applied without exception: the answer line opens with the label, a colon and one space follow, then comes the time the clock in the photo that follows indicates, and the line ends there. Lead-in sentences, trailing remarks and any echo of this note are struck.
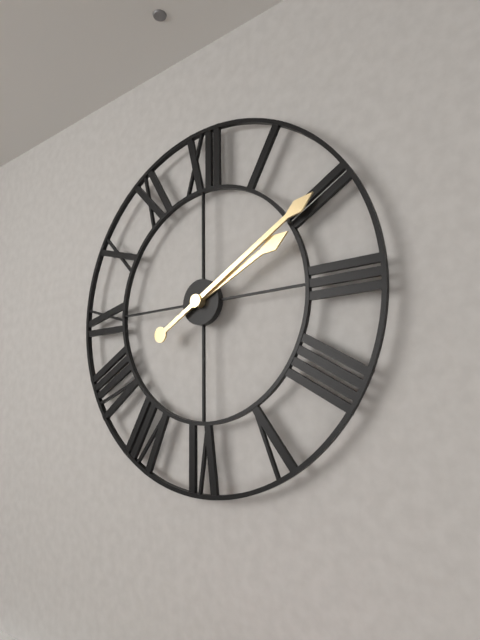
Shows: 2:10
